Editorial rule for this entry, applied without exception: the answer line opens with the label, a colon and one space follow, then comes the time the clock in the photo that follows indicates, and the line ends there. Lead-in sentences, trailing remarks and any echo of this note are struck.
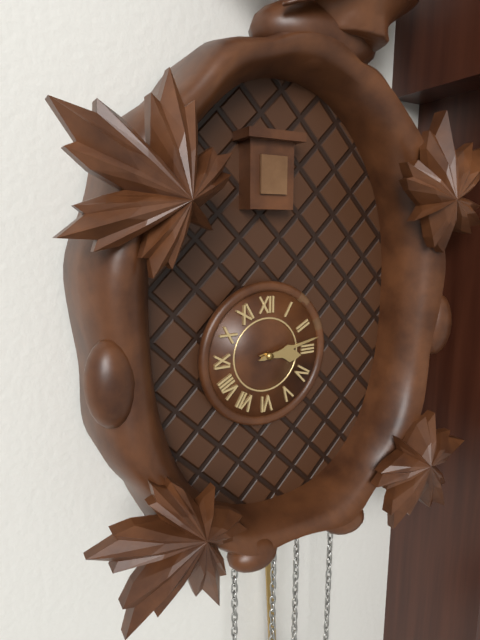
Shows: 3:13
